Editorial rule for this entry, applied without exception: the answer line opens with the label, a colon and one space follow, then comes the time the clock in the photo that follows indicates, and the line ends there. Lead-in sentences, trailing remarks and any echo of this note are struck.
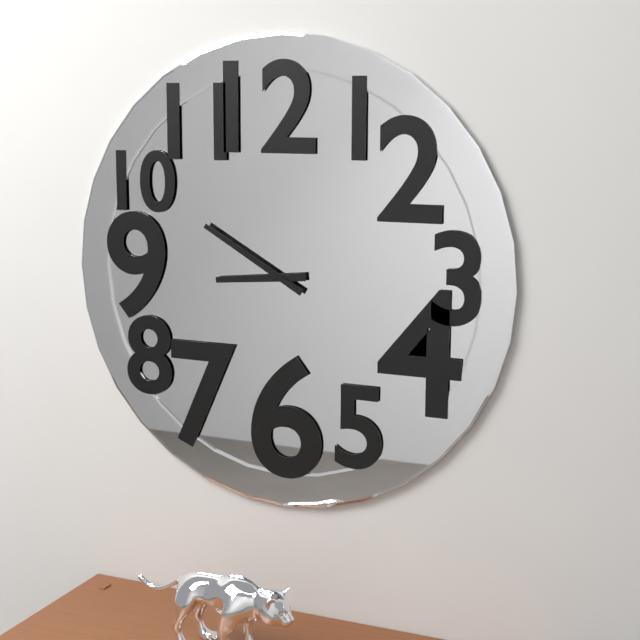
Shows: 8:50
